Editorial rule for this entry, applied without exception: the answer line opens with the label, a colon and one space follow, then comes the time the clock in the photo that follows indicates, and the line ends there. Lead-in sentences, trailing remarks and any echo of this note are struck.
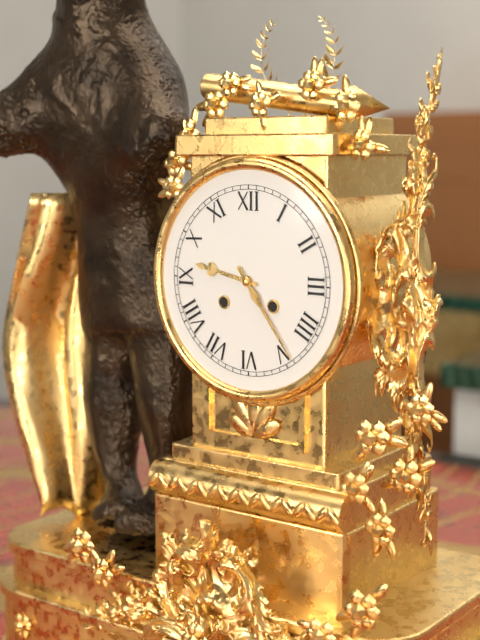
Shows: 9:24
